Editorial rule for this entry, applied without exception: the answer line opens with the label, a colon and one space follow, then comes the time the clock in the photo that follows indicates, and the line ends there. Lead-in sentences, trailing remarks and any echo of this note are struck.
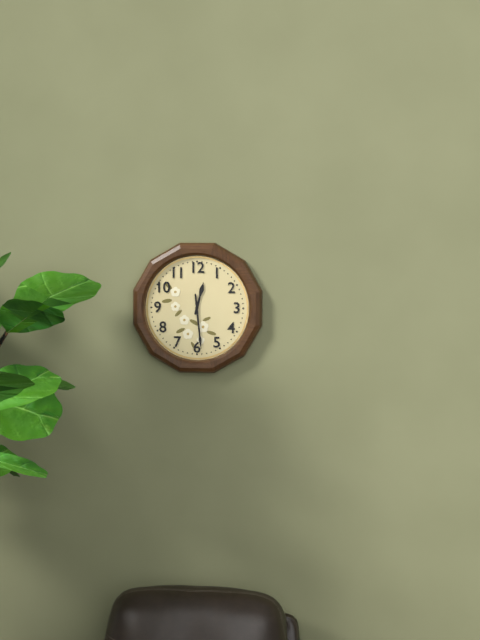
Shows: 12:29
